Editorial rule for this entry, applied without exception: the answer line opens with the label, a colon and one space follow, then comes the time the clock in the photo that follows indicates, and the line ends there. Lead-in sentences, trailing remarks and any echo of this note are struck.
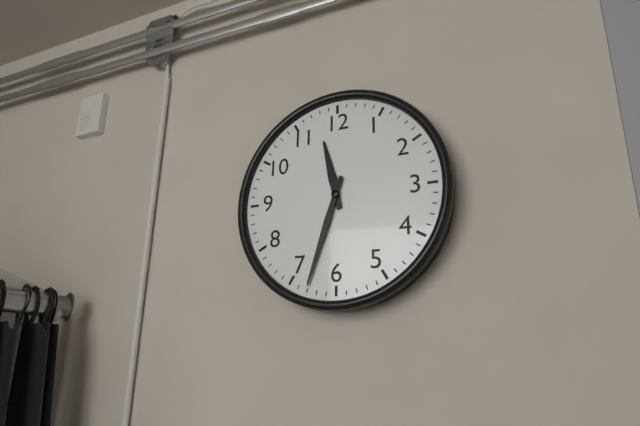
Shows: 11:33
